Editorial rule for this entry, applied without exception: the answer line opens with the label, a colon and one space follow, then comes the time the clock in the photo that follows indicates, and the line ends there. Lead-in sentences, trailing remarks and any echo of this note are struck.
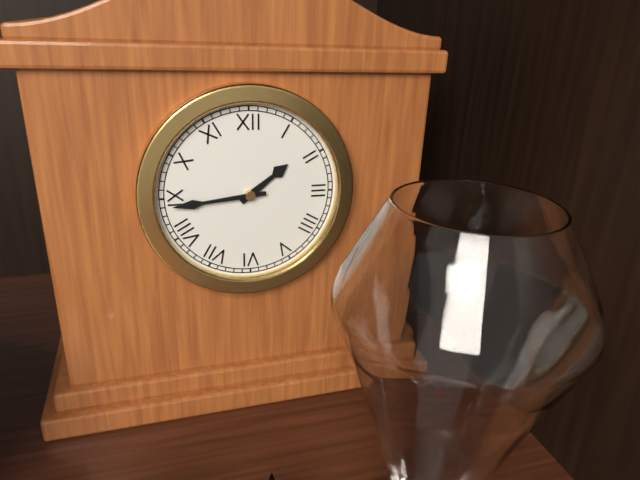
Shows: 1:44
